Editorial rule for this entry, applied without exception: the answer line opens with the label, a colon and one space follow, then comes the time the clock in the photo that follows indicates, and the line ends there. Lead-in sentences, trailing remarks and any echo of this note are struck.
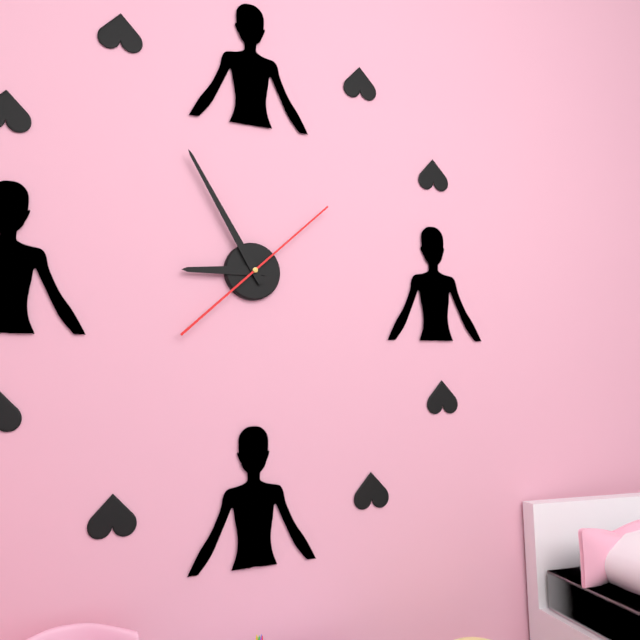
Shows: 8:55:08
